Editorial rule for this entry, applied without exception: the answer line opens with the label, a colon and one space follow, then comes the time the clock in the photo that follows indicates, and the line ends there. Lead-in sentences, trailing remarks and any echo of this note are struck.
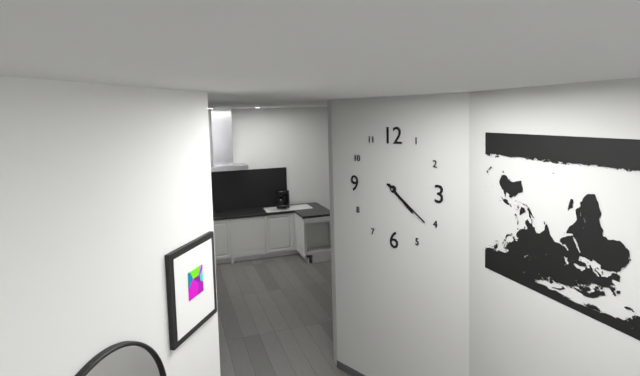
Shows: 4:21
